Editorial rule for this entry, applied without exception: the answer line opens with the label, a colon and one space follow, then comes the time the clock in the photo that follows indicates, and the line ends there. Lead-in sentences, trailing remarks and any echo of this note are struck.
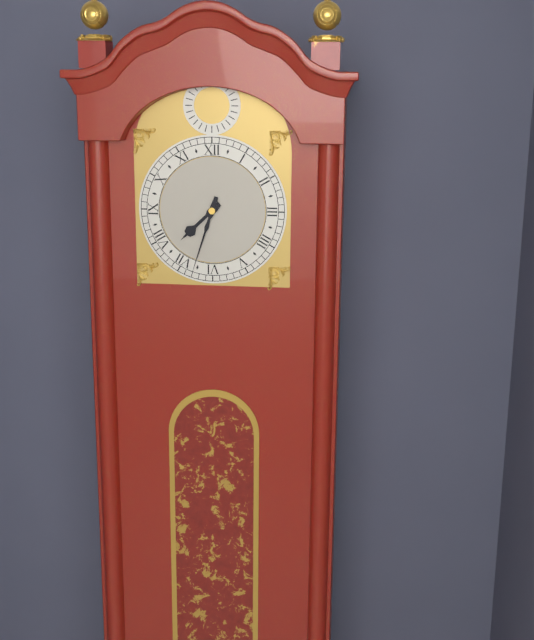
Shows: 7:33
